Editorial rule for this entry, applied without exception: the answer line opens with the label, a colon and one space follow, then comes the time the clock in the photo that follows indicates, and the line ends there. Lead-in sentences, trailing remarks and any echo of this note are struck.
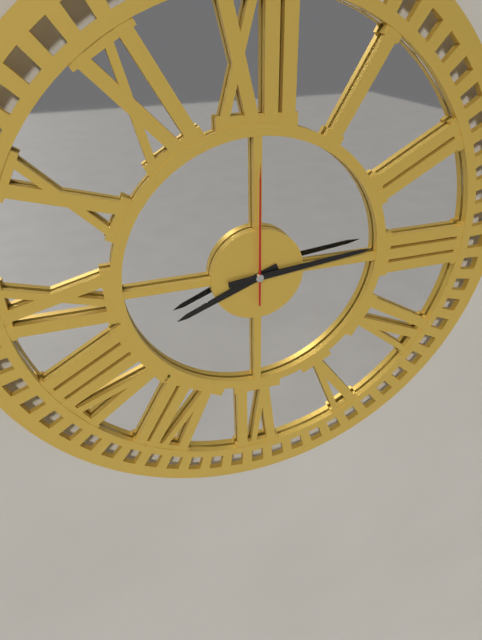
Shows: 8:14:00
